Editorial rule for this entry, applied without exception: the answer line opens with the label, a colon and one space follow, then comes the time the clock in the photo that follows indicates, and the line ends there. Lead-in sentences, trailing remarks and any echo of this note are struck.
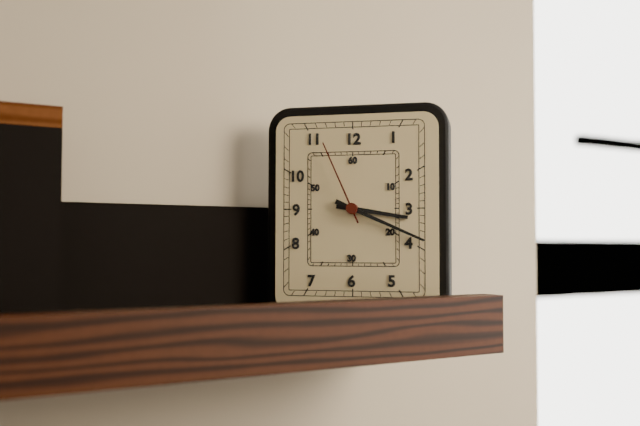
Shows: 3:19:56
